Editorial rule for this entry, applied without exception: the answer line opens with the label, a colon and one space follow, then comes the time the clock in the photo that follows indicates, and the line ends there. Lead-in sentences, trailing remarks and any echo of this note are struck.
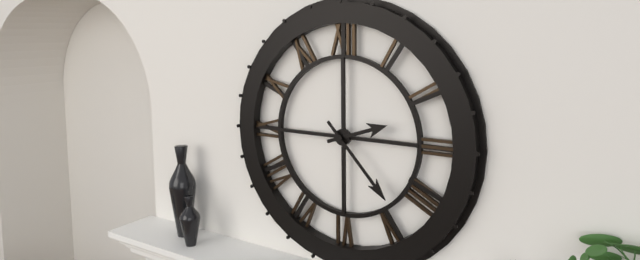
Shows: 2:23
